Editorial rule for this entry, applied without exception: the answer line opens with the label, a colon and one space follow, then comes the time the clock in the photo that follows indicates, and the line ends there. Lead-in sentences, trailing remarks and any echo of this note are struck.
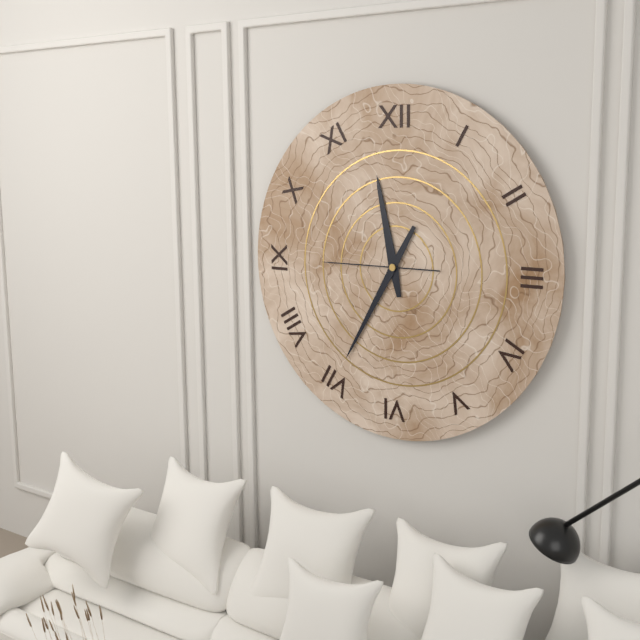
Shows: 11:35:45
